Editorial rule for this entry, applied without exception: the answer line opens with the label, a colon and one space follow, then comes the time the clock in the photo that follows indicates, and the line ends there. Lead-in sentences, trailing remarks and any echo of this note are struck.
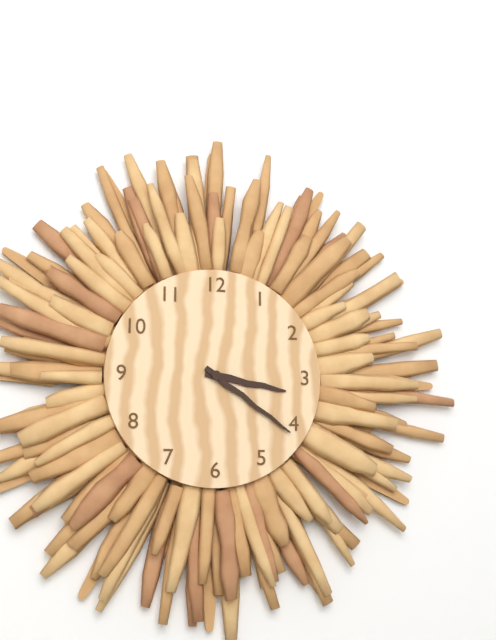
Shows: 3:21
